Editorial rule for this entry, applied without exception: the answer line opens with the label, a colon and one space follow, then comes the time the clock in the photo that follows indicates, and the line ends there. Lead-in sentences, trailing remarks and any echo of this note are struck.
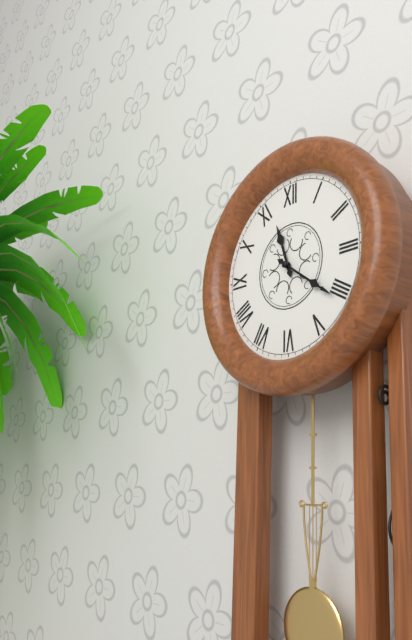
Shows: 11:21
